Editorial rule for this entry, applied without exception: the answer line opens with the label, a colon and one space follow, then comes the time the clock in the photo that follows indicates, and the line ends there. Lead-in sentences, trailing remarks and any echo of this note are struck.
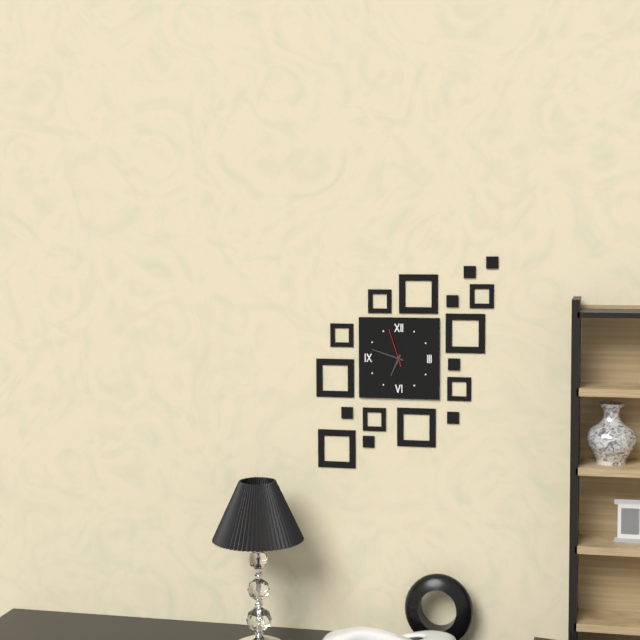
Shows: 6:48
